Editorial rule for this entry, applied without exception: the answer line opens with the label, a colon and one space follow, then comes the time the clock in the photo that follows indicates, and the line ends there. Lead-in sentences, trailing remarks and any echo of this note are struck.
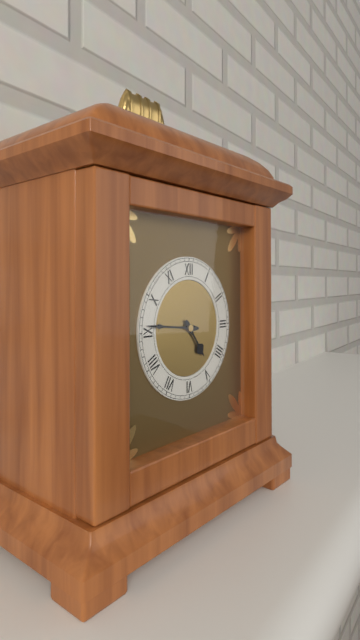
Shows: 4:46
